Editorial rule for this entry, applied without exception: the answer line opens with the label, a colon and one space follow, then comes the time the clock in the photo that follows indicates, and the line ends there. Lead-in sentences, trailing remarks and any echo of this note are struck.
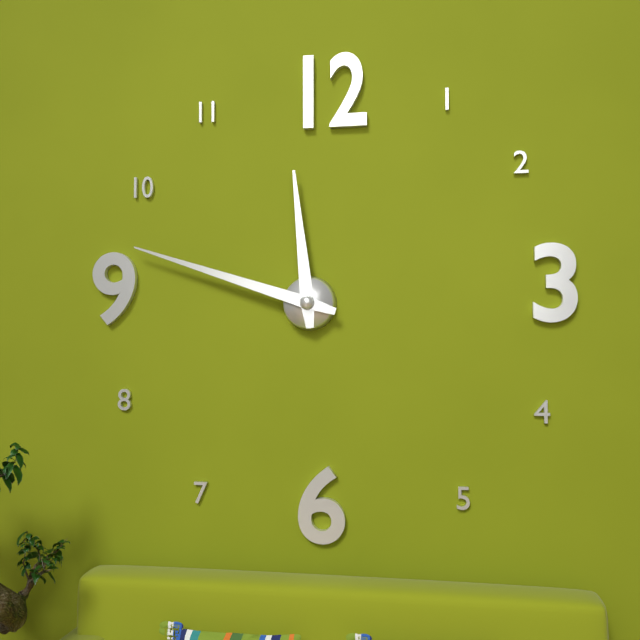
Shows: 11:48
